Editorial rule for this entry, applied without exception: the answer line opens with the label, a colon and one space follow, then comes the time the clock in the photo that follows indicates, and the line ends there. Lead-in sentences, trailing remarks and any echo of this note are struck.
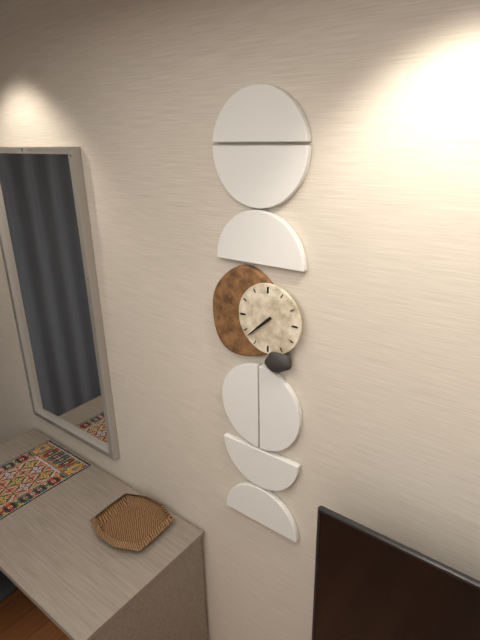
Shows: 7:38
